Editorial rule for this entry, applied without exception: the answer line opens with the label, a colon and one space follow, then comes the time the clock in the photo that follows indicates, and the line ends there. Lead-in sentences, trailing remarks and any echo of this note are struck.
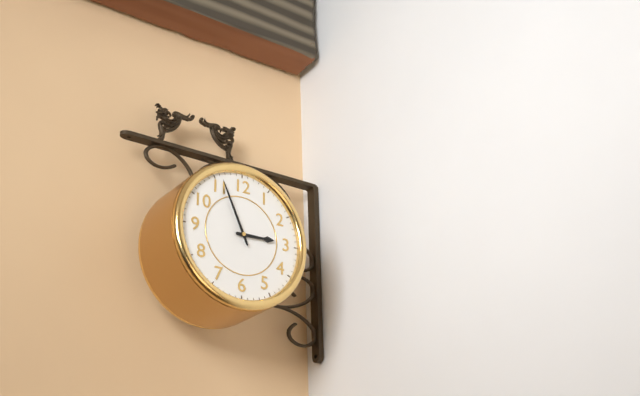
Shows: 2:56
